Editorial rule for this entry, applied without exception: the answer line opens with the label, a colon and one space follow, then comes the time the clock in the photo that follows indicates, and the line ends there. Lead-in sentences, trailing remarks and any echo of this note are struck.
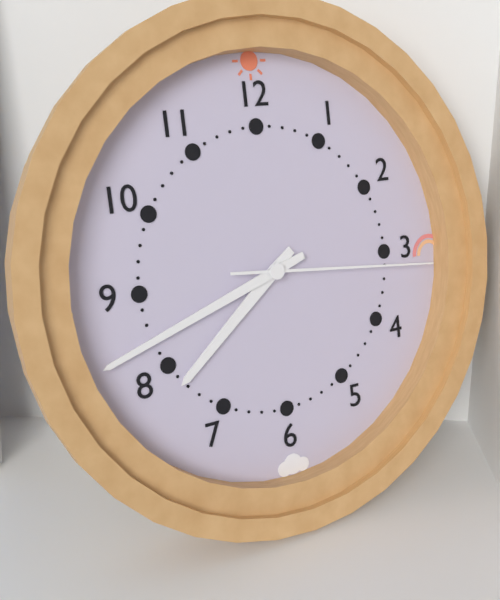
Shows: 7:42:16
